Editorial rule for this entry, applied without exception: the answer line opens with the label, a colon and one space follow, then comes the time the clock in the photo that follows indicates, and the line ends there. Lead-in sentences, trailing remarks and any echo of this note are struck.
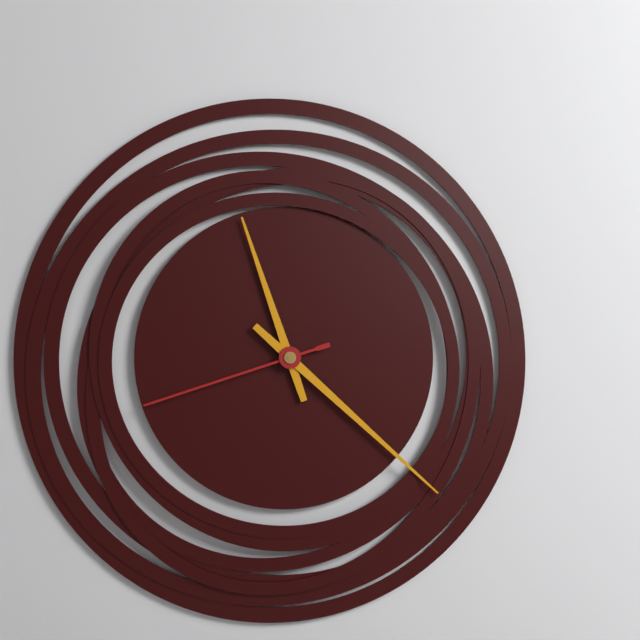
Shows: 11:22:42
